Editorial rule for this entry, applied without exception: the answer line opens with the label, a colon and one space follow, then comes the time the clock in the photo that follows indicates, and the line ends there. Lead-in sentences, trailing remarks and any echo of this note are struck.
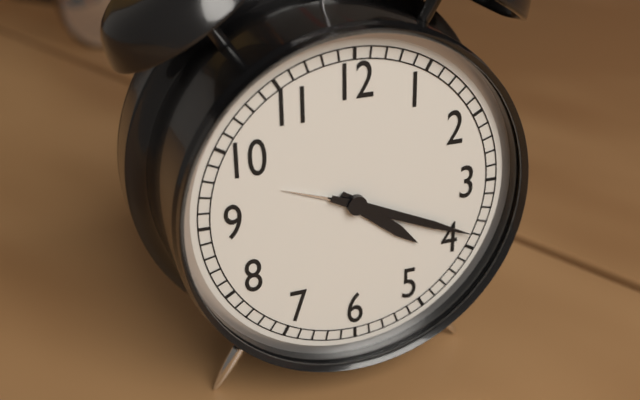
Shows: 4:19
